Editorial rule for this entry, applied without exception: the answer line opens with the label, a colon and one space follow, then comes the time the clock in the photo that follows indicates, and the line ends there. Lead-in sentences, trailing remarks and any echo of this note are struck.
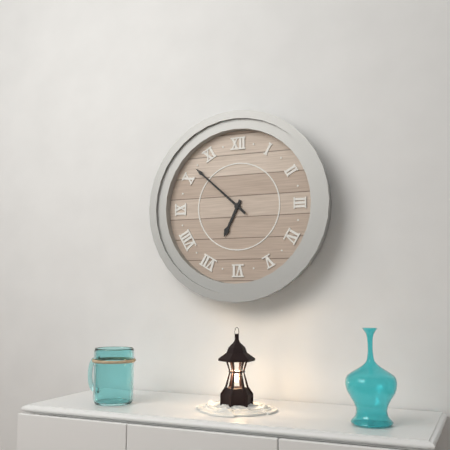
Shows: 6:52
